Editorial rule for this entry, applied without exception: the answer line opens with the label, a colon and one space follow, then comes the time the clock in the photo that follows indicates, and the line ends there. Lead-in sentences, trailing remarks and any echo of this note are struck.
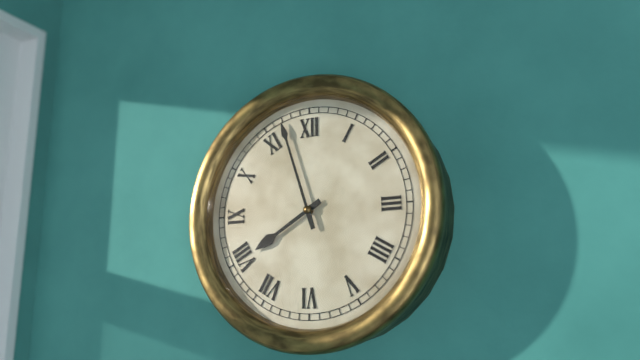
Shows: 7:57
